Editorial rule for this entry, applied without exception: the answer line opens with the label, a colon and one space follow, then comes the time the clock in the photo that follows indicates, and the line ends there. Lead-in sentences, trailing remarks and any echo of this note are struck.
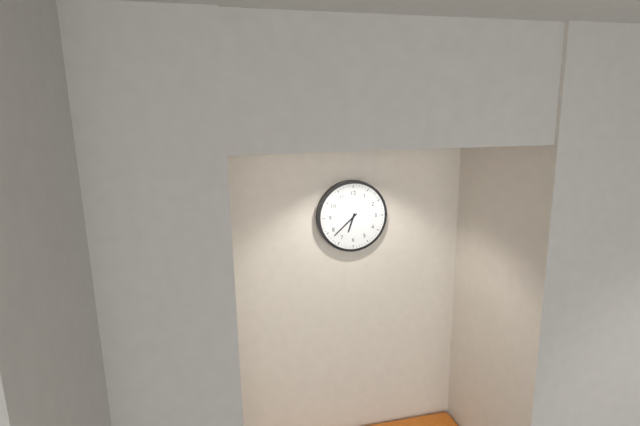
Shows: 6:38
